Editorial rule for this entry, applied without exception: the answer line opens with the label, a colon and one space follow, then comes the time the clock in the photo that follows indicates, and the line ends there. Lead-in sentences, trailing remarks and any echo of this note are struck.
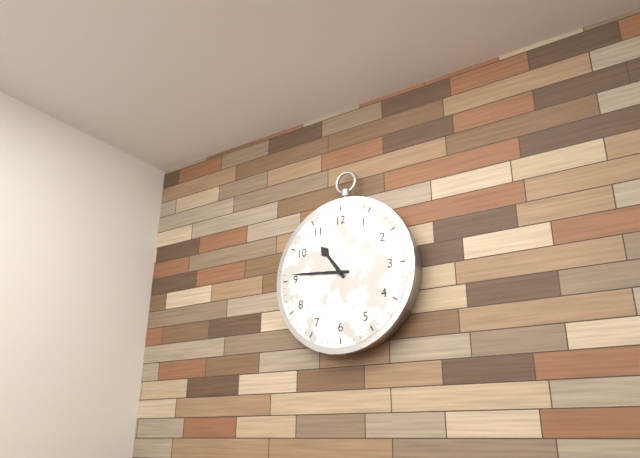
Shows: 10:46
